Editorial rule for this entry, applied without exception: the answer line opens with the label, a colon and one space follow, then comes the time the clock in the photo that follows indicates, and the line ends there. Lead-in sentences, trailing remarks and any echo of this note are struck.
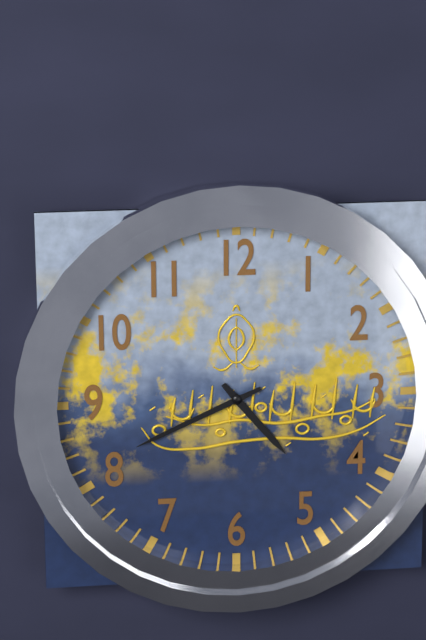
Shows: 4:41
